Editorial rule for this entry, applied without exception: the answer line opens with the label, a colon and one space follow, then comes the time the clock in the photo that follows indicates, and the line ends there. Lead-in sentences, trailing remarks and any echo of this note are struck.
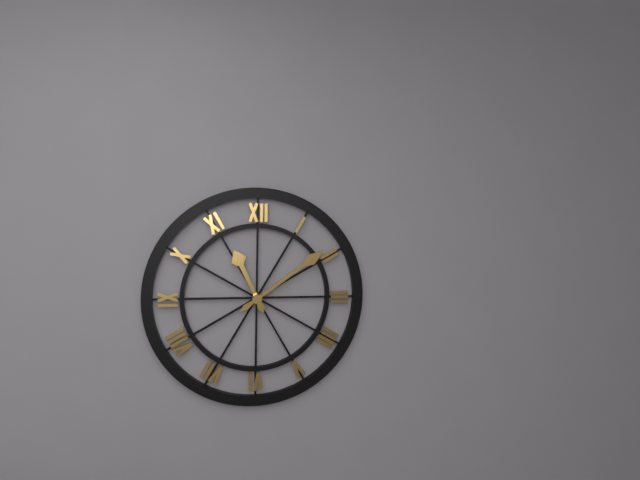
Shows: 11:09
